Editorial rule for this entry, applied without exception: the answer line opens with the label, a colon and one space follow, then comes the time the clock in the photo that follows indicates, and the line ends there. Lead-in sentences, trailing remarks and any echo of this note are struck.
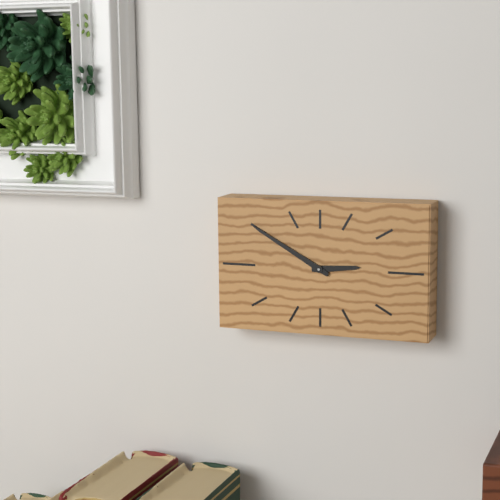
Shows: 2:50
